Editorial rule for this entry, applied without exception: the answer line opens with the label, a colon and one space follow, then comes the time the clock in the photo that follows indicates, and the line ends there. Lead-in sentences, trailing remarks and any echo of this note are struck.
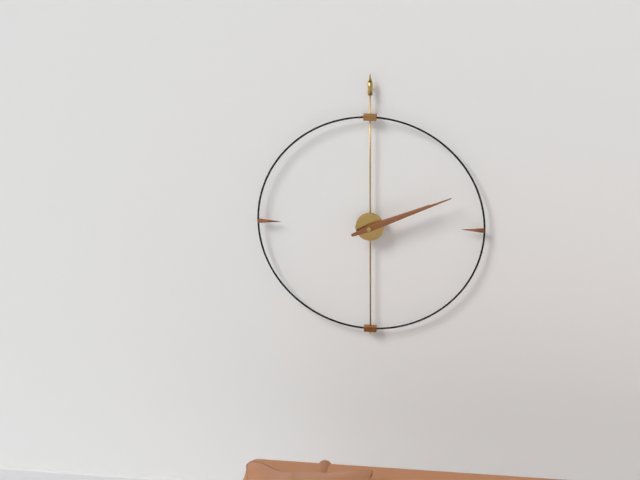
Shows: 2:11
